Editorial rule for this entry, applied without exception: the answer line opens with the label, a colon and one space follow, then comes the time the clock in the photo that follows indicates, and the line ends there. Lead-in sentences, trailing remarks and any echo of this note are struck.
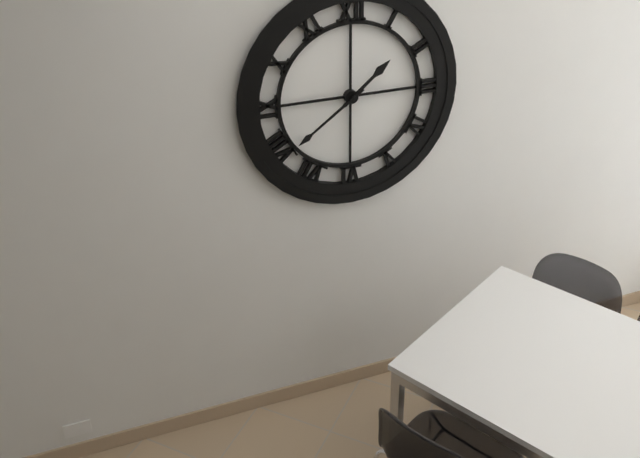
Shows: 1:39
